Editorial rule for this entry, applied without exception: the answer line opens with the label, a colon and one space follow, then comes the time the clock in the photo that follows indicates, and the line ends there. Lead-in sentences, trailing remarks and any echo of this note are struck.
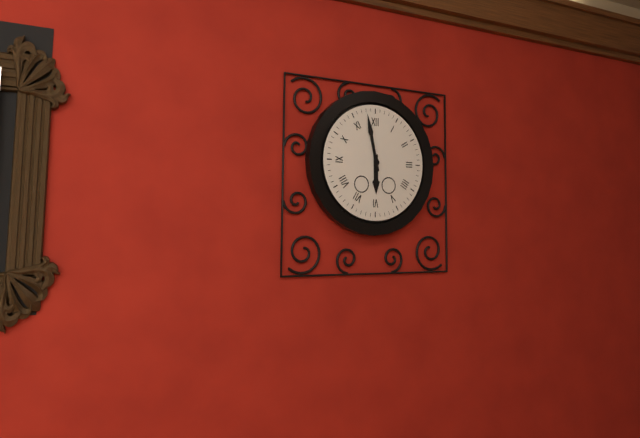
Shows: 5:58
